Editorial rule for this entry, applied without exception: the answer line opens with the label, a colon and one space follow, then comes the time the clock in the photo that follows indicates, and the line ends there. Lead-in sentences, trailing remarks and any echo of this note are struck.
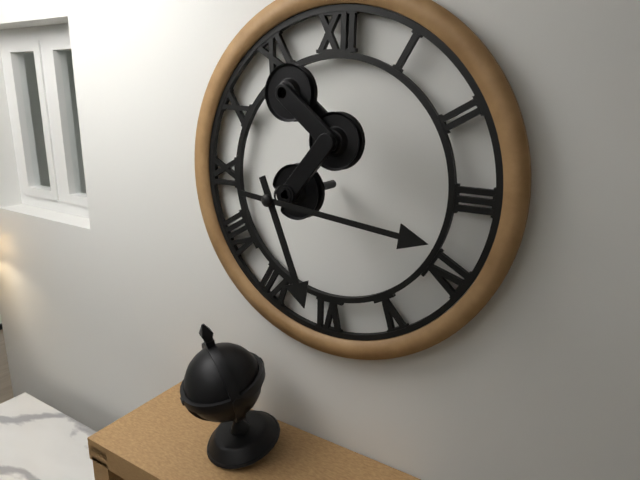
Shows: 5:16
